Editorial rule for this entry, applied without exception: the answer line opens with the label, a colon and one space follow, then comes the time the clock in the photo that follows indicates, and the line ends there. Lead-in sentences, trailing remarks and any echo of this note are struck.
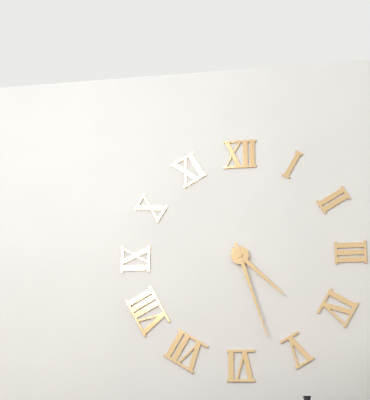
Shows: 4:27
